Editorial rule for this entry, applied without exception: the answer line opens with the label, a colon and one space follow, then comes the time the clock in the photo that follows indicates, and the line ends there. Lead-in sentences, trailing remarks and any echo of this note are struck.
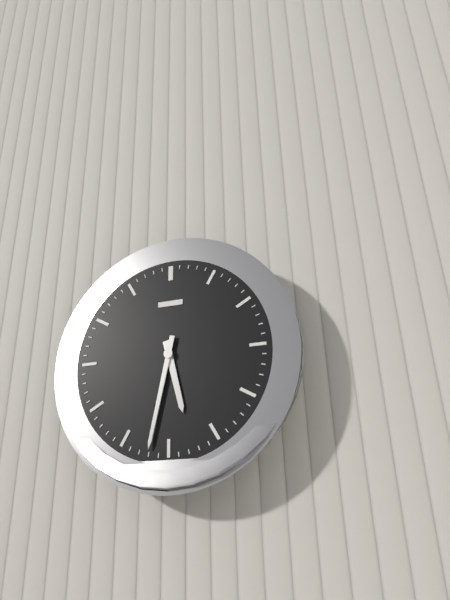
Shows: 5:32
